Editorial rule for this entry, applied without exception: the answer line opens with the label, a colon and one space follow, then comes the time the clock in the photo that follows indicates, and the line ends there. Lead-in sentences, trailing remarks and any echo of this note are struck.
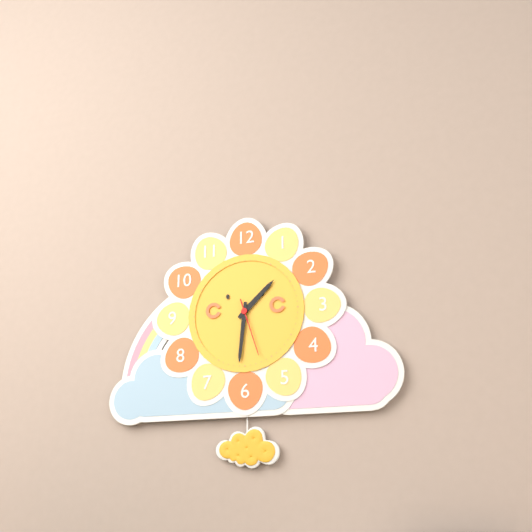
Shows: 1:31:27
